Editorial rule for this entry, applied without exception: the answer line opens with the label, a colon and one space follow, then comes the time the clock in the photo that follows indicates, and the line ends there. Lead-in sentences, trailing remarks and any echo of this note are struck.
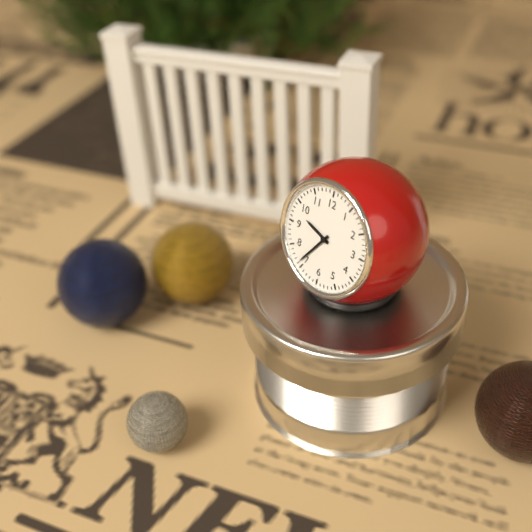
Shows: 9:36
